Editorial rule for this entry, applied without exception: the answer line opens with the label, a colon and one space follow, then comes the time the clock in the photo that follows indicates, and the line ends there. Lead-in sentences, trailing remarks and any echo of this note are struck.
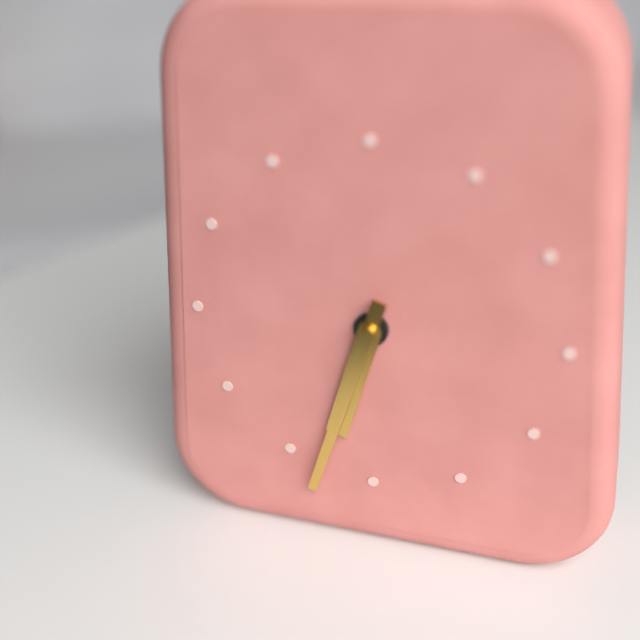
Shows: 6:33
